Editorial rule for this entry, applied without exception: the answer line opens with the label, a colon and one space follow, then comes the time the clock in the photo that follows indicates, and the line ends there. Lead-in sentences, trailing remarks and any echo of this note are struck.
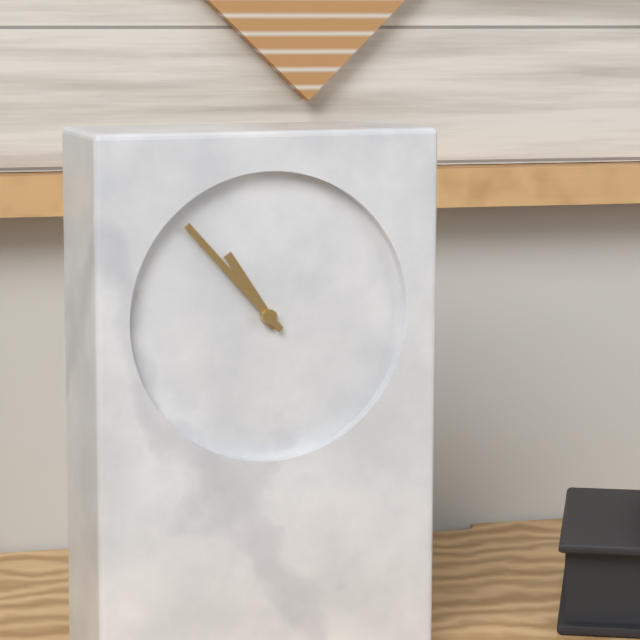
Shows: 10:53
